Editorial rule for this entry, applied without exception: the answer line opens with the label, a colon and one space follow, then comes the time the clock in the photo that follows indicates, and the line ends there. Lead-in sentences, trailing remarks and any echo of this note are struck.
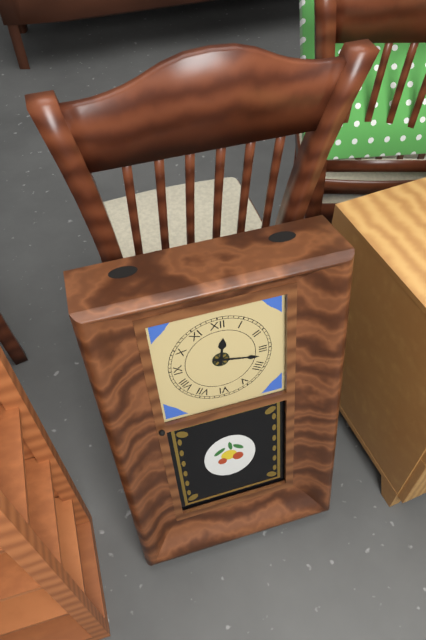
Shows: 12:17
